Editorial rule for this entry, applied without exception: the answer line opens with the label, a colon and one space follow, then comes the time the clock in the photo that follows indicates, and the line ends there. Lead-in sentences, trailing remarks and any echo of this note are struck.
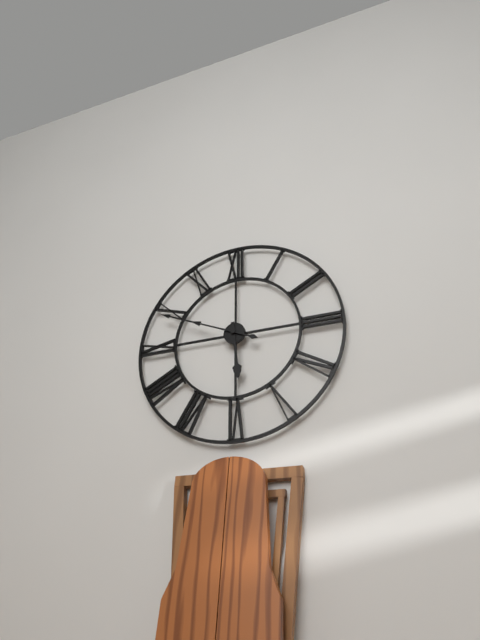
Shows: 5:49
